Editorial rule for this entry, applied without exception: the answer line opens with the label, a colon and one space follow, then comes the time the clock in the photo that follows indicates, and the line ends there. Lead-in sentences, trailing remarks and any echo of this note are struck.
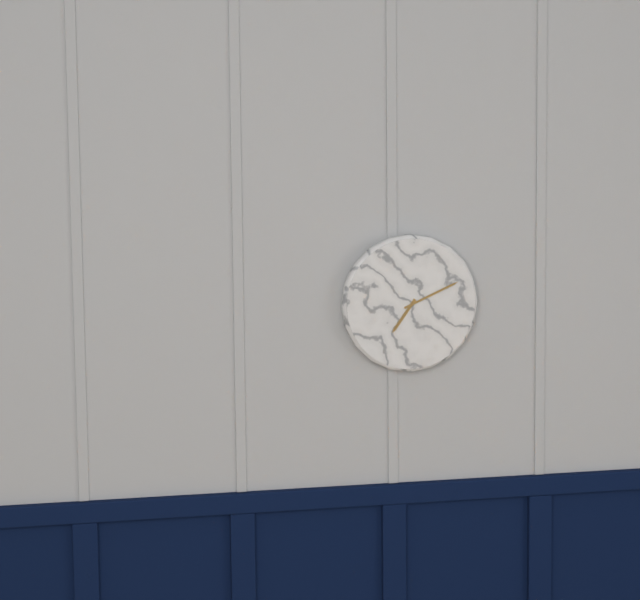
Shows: 7:11
